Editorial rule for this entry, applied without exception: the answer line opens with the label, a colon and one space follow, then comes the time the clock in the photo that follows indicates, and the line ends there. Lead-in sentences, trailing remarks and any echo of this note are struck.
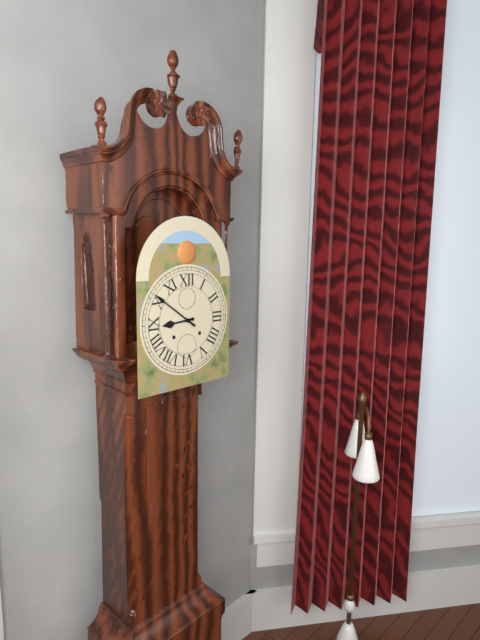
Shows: 8:51
